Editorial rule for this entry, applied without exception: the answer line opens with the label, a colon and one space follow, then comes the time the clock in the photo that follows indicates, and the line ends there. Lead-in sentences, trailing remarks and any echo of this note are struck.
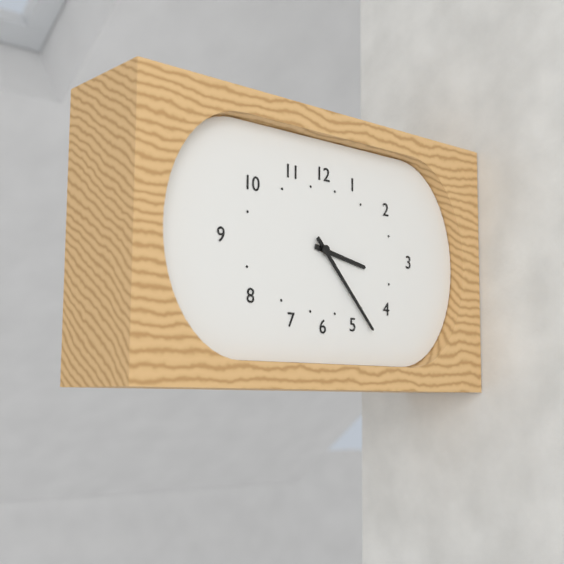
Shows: 3:23
